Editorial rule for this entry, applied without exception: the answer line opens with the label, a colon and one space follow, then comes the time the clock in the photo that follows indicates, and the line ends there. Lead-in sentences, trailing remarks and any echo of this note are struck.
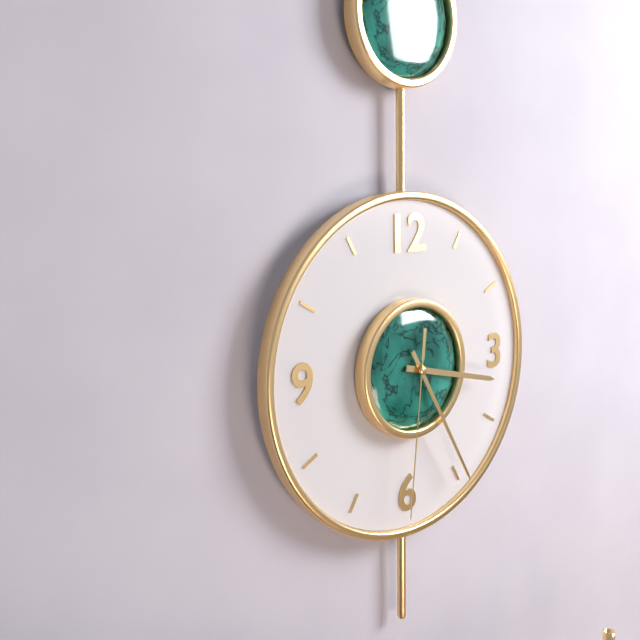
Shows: 3:25:31
